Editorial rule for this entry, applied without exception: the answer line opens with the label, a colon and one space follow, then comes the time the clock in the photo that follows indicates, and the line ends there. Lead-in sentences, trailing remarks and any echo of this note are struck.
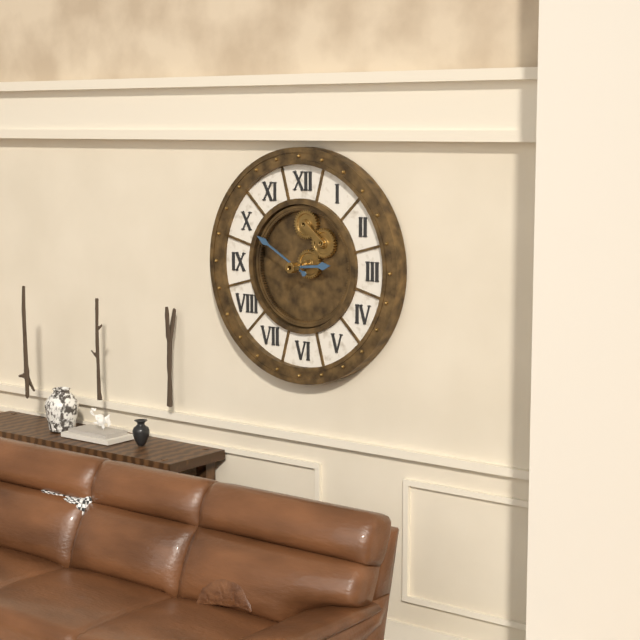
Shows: 2:50
